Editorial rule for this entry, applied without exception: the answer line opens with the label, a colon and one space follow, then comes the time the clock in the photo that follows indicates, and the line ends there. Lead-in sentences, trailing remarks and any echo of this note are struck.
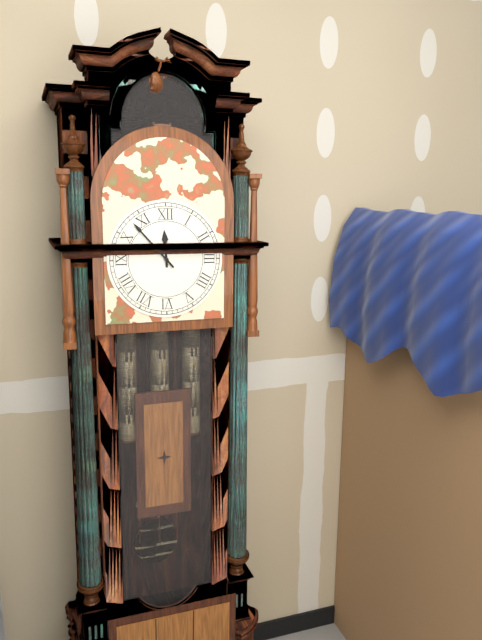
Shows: 11:53
